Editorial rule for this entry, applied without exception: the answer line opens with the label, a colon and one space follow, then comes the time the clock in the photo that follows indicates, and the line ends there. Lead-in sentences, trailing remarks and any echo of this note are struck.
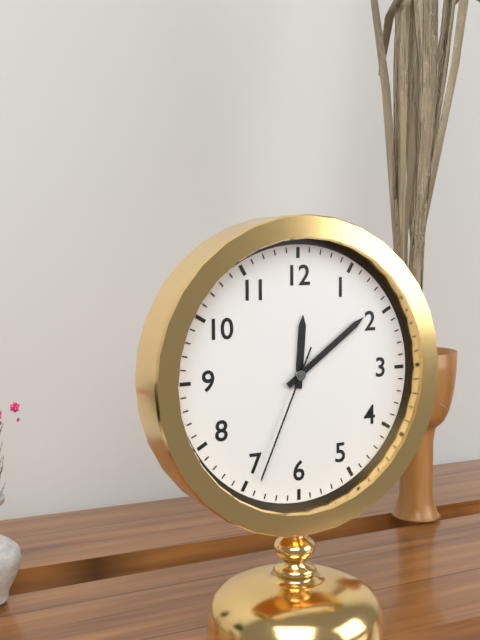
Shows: 12:09:34
